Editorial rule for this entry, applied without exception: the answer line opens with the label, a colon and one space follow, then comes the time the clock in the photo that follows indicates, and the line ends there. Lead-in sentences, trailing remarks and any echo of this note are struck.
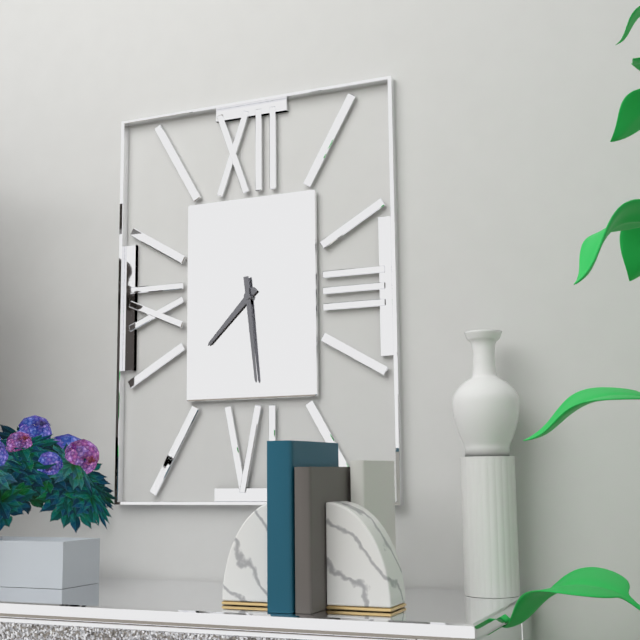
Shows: 7:29
